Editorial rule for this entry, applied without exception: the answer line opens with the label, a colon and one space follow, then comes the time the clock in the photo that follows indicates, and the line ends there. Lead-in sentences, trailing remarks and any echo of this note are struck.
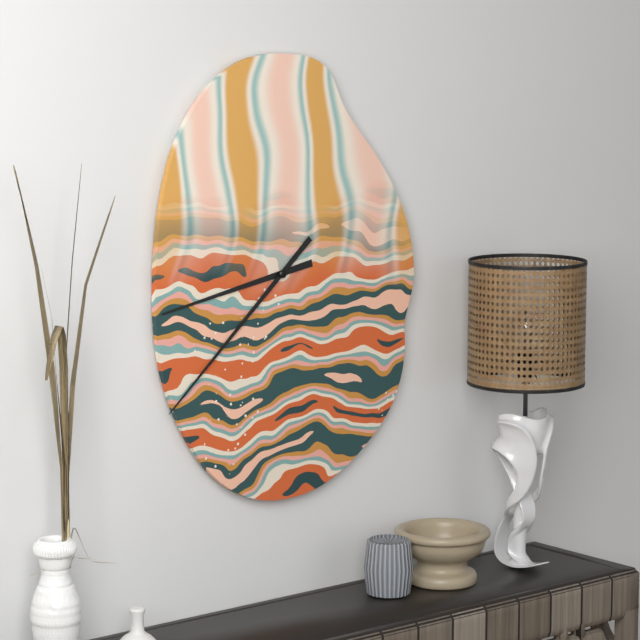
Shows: 8:38
